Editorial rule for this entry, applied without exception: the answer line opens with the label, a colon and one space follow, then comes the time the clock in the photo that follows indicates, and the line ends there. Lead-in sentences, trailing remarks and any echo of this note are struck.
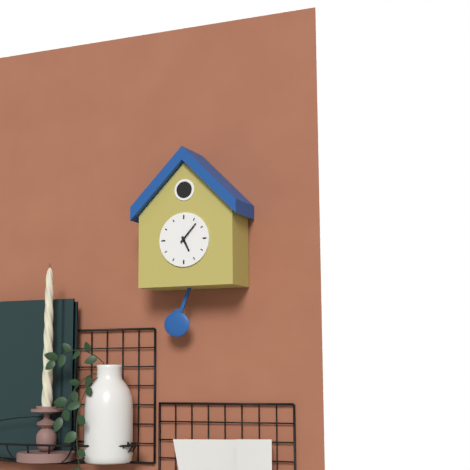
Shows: 5:07
